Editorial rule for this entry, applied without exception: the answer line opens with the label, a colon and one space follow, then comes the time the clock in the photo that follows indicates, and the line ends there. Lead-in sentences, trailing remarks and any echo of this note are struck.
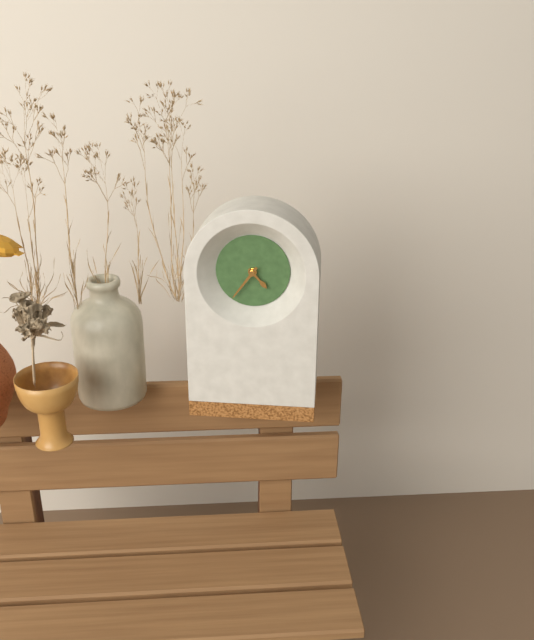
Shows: 4:36
